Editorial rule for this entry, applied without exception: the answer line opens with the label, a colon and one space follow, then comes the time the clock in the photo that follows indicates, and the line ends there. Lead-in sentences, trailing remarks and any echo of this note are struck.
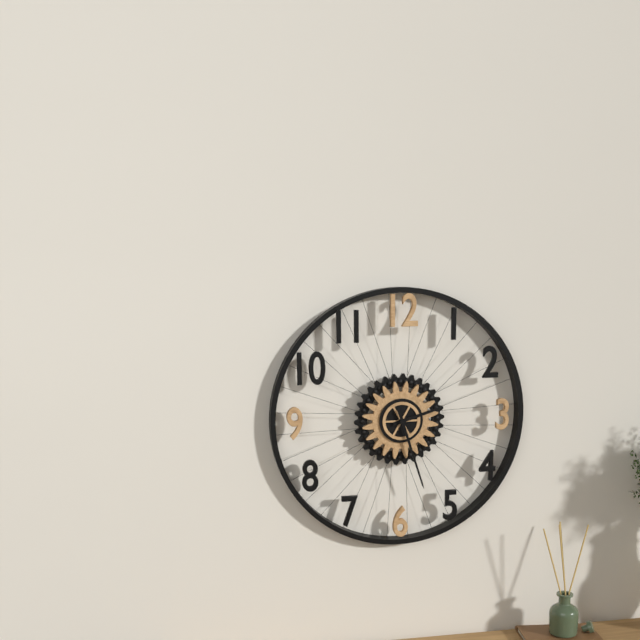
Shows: 2:27
